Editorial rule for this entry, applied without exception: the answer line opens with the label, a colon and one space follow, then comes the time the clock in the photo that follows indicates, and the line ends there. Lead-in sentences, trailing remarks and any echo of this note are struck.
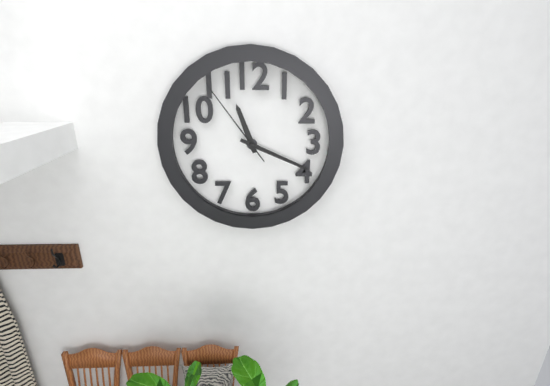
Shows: 11:19:54
